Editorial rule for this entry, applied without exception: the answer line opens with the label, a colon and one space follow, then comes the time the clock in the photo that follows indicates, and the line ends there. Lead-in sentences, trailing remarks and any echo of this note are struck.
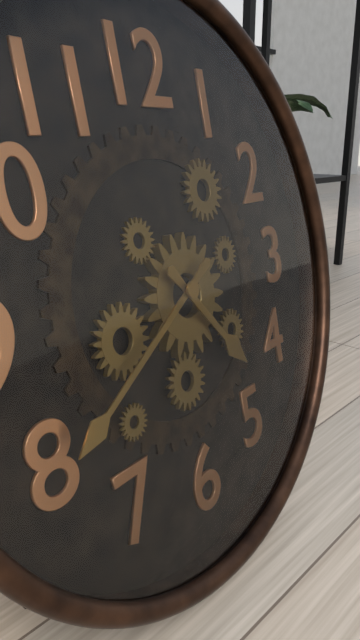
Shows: 4:40
